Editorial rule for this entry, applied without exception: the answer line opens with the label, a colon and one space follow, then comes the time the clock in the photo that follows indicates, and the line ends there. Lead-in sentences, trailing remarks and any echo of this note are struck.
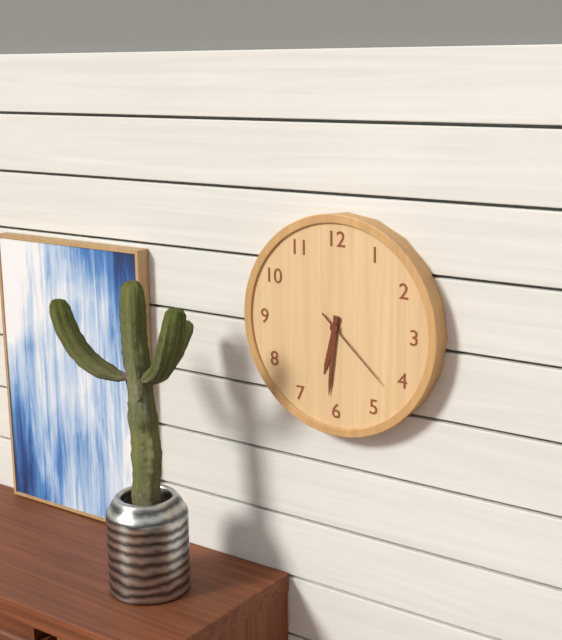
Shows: 6:31:22
